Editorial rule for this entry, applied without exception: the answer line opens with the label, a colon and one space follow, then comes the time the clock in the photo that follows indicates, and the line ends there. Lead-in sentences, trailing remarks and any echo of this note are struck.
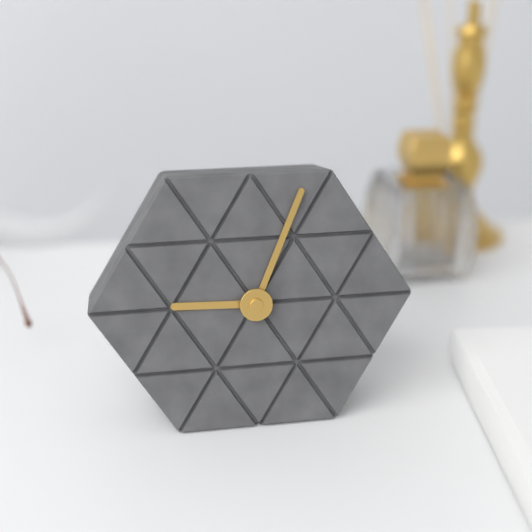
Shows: 9:04
